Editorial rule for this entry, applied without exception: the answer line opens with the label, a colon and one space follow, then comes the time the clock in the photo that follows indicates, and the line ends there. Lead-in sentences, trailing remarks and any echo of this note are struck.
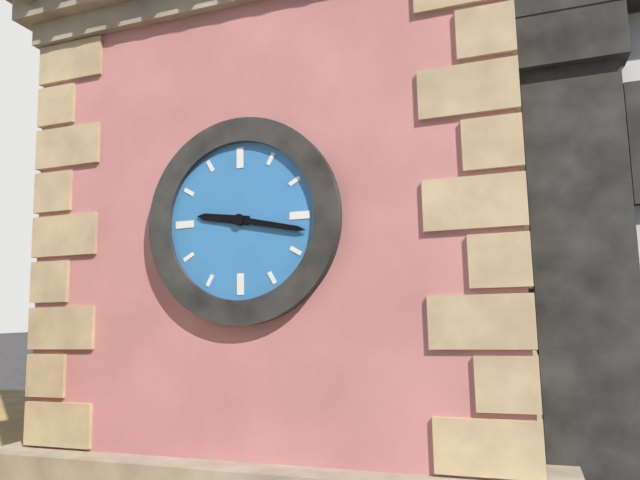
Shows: 9:17
